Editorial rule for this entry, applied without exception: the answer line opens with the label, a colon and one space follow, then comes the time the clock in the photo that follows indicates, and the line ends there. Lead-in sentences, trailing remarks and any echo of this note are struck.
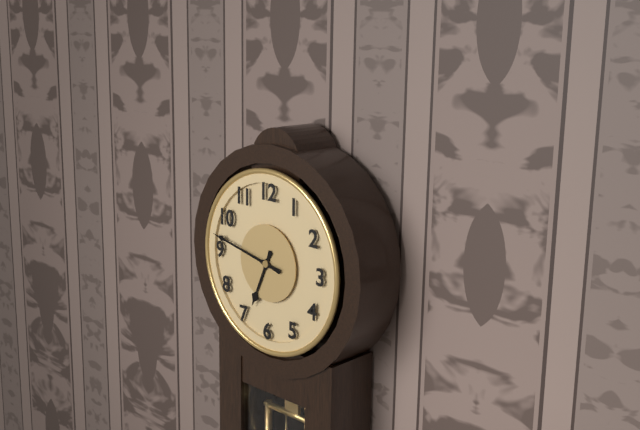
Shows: 6:47
